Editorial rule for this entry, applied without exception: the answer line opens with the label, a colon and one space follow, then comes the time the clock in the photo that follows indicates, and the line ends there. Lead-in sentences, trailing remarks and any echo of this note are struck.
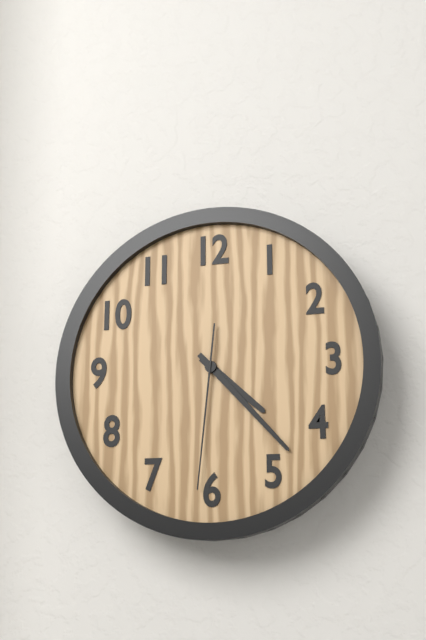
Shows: 4:23:31
